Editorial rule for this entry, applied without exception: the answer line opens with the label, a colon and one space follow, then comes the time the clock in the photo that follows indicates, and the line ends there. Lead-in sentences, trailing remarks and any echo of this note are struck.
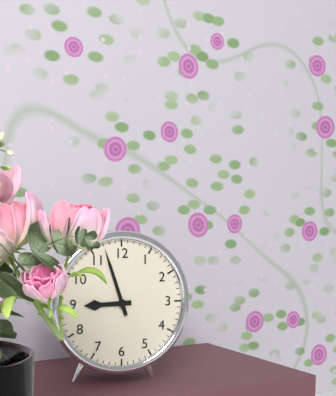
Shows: 8:57
